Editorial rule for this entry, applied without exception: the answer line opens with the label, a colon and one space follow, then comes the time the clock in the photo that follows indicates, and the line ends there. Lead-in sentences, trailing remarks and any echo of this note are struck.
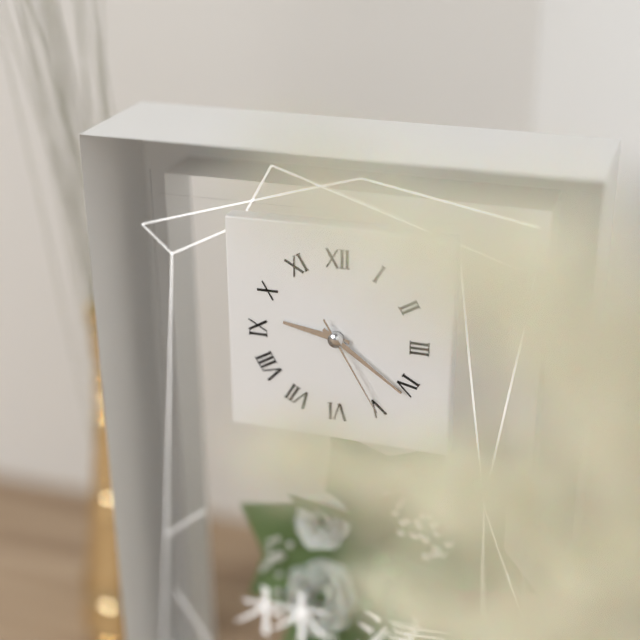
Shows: 9:21:25
